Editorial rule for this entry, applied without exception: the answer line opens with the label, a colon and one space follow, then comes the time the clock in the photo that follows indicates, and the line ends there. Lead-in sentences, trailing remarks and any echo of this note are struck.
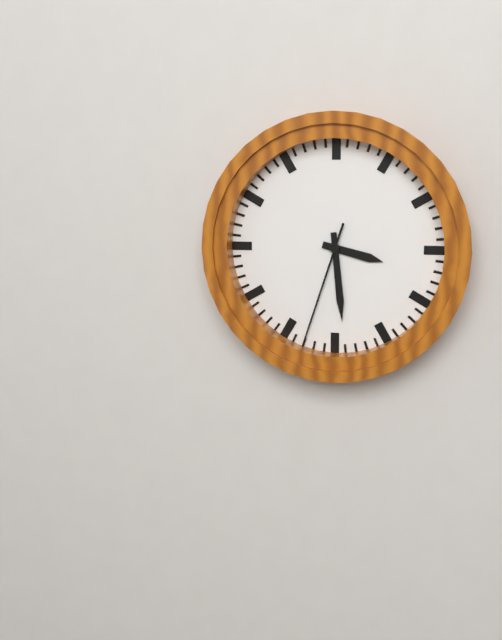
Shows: 3:29:33
